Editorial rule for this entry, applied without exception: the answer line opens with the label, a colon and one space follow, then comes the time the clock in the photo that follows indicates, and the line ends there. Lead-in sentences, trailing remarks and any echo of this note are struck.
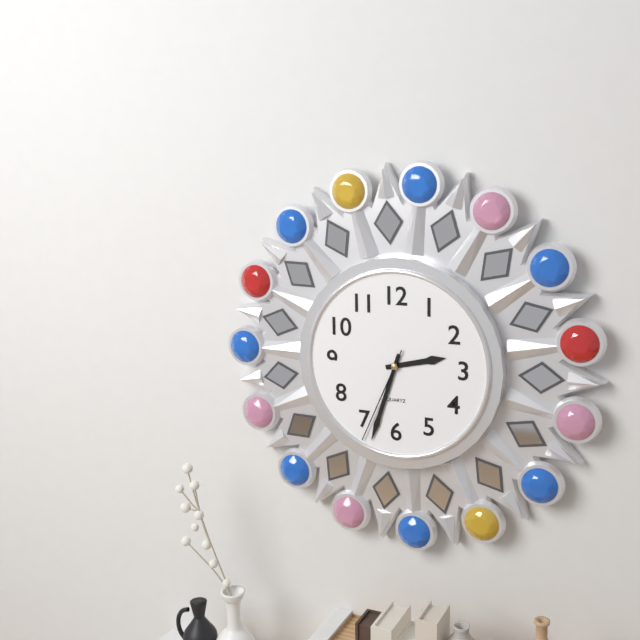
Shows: 2:33:34
